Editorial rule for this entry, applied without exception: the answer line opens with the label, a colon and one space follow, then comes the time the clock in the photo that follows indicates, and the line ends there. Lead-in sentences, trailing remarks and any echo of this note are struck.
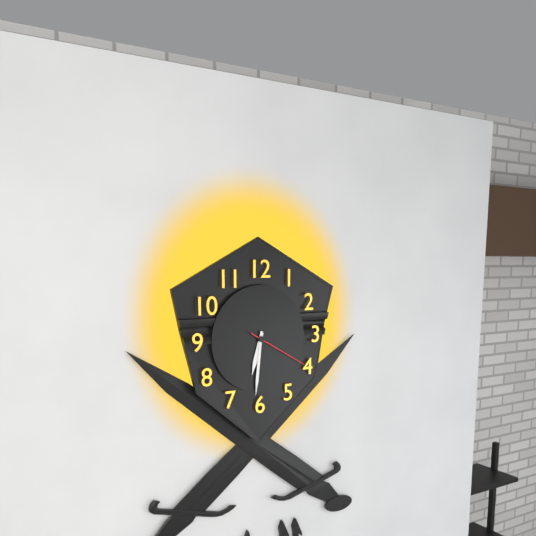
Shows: 6:31:20
